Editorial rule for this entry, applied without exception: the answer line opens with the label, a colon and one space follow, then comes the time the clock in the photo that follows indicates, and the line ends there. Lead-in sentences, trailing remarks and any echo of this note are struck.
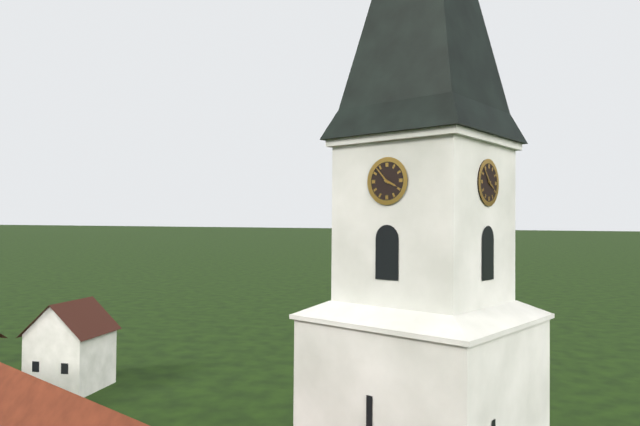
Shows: 3:53
